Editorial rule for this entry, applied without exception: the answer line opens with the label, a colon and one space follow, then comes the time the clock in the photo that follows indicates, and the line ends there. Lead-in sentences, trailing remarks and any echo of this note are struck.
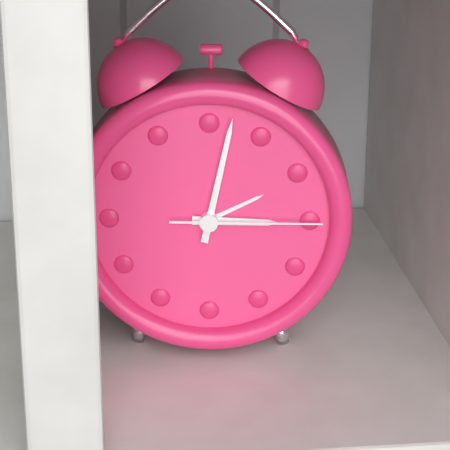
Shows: 3:02:15
